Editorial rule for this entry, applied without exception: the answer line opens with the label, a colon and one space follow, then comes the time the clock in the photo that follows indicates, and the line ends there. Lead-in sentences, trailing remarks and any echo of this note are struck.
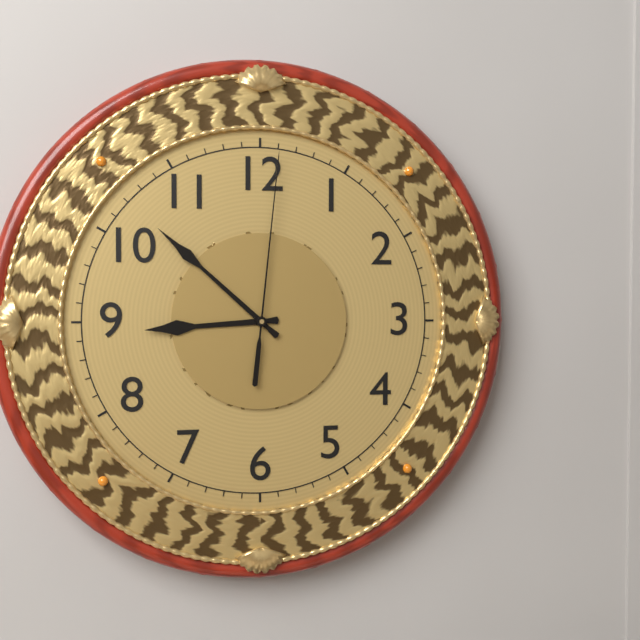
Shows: 8:52:01
